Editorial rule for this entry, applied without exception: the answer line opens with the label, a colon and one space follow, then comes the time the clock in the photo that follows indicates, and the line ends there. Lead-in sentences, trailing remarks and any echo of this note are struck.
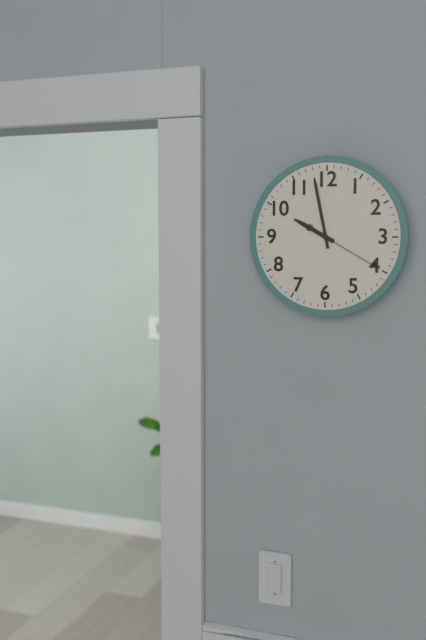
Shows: 9:58:20
